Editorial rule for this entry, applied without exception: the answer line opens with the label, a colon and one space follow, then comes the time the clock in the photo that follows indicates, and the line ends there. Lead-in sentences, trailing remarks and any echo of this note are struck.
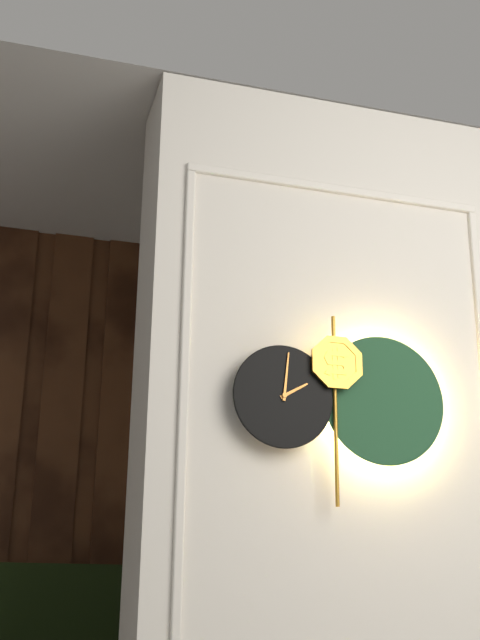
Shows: 2:01
